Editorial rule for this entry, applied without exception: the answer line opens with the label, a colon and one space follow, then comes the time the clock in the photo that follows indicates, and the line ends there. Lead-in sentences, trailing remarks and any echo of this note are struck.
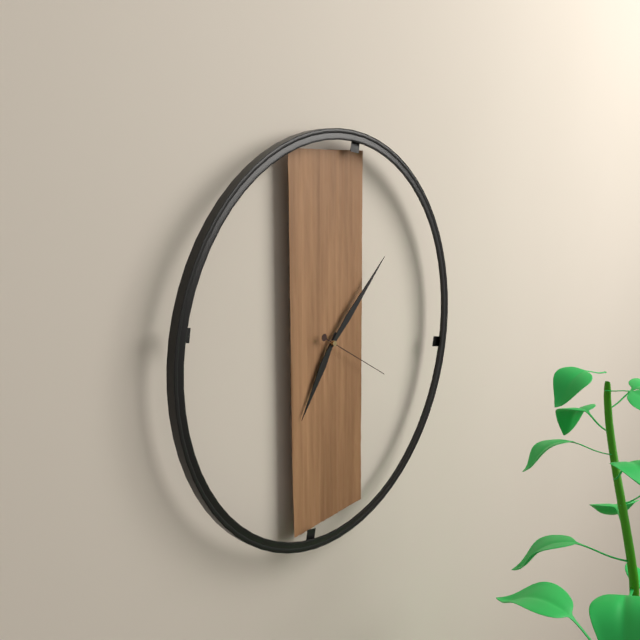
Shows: 7:08:20
